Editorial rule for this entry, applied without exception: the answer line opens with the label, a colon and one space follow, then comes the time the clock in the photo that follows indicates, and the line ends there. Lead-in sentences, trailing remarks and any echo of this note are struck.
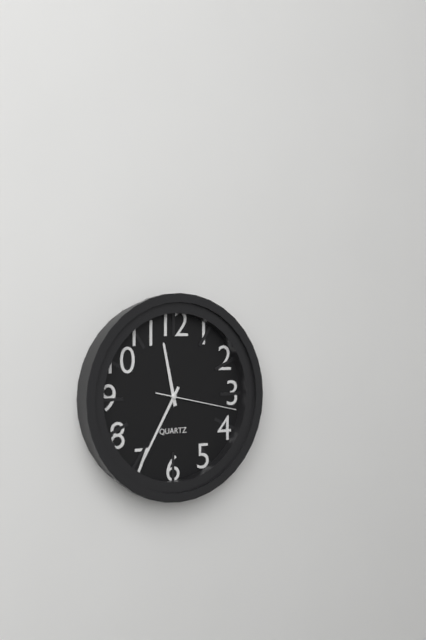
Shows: 11:35:17
